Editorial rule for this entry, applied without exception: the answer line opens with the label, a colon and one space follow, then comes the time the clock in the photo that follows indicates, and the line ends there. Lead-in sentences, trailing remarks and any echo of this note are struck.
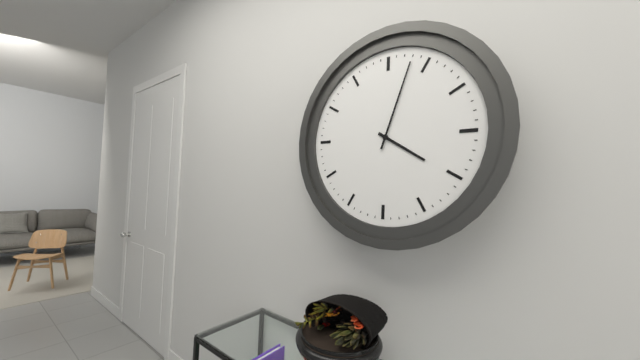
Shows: 4:03
